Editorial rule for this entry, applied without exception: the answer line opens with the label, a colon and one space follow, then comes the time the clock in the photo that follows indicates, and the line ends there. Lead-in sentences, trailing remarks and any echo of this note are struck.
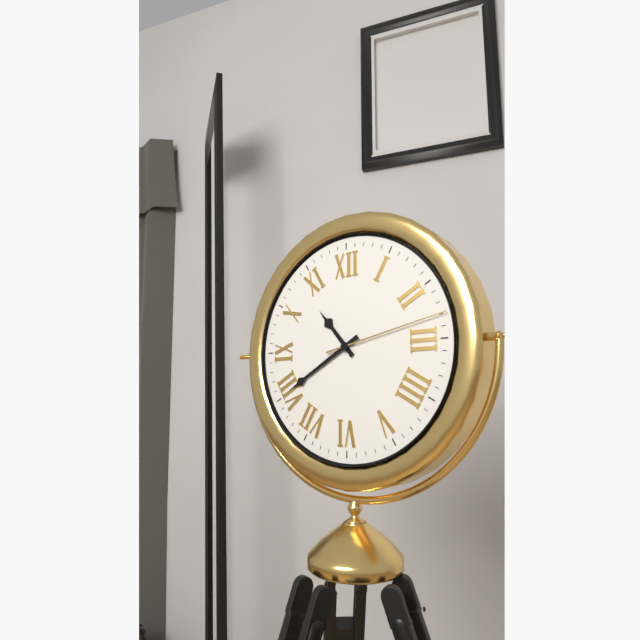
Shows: 10:40:13
